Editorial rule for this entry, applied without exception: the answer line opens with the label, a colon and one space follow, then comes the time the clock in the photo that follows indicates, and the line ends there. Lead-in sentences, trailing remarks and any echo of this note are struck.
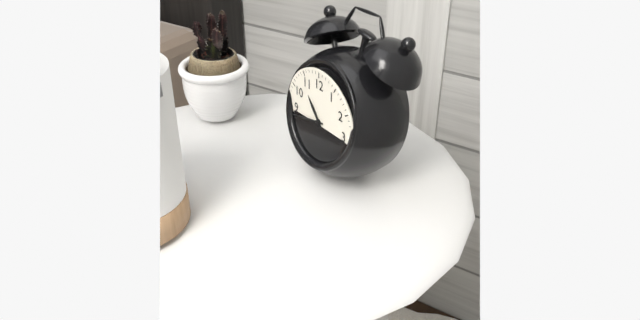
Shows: 10:43
